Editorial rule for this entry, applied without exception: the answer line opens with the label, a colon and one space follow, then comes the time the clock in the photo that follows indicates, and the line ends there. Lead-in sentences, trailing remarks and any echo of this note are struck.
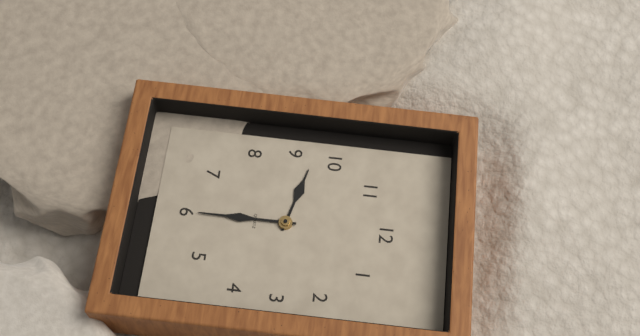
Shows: 9:30
